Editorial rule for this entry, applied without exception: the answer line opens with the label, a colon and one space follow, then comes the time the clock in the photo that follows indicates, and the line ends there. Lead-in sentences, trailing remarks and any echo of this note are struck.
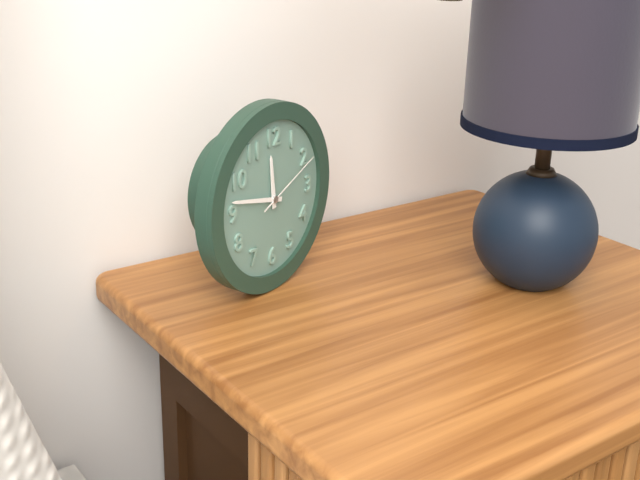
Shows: 11:47:11
